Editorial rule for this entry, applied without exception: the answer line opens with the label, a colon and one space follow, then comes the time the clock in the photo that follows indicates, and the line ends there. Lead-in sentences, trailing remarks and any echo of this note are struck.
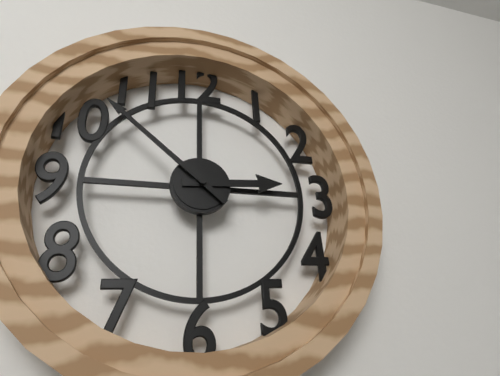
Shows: 2:52
